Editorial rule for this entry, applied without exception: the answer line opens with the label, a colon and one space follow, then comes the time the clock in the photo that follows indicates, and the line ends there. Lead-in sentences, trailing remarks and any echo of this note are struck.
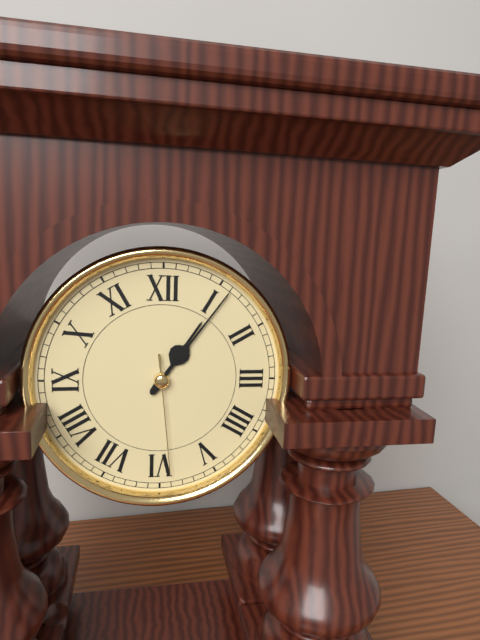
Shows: 1:06:29
